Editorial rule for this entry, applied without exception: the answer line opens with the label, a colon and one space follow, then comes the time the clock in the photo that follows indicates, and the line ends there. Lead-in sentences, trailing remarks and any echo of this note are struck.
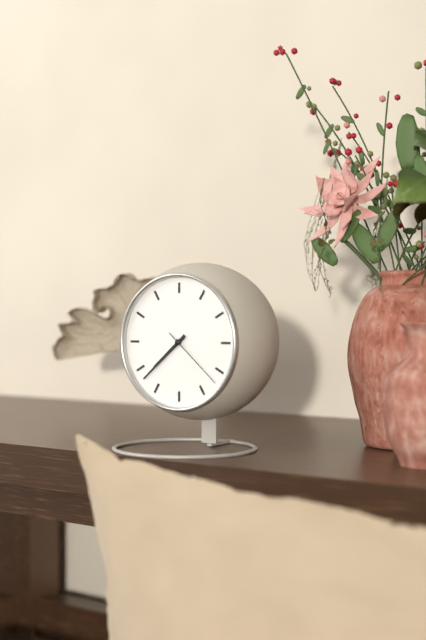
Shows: 7:38:22
